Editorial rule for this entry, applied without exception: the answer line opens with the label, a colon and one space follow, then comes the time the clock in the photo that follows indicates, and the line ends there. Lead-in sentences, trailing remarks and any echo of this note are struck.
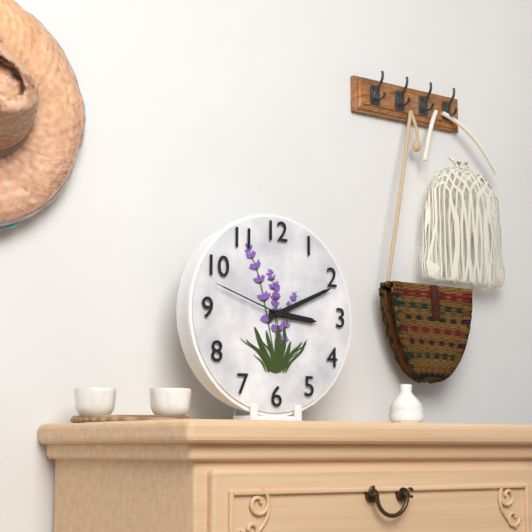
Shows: 3:11:48
